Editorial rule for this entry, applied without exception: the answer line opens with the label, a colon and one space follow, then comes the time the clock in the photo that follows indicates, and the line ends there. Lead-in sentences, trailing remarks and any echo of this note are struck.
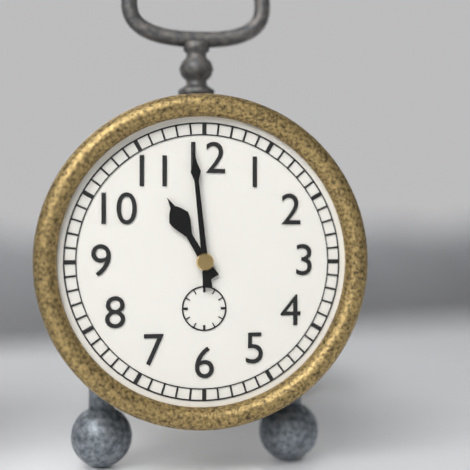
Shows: 10:59
